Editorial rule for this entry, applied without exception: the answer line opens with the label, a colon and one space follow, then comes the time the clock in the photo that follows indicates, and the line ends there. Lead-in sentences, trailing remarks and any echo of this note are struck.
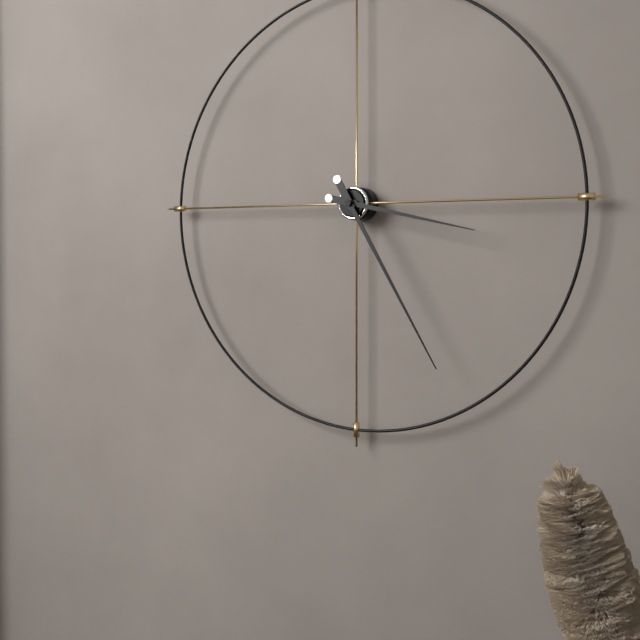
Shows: 3:25
